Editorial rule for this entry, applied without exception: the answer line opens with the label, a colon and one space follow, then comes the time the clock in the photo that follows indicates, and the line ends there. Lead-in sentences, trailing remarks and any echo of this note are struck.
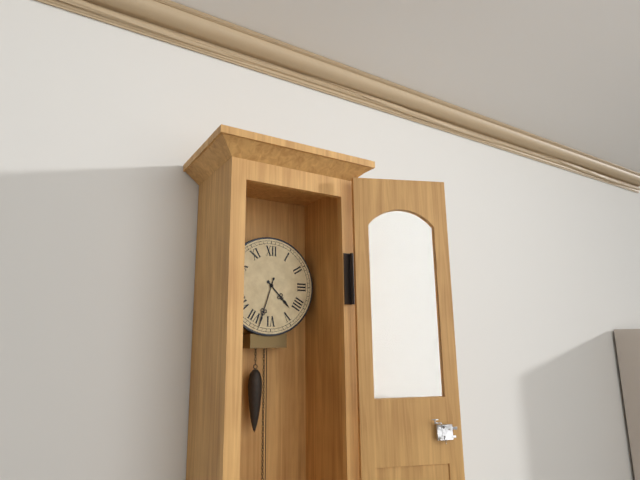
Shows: 4:33
